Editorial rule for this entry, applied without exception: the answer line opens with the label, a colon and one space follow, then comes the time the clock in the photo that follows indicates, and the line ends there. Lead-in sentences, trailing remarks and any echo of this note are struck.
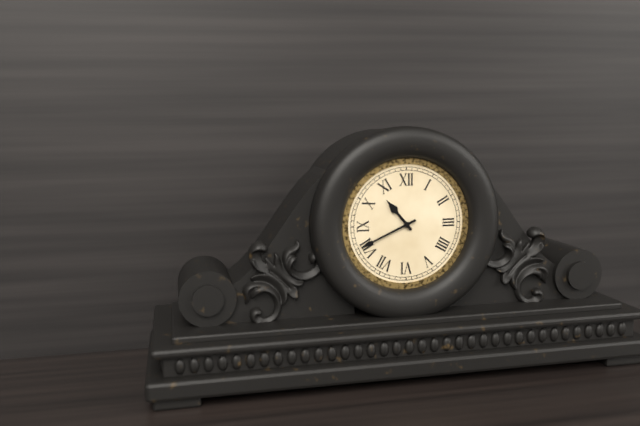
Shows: 10:41
